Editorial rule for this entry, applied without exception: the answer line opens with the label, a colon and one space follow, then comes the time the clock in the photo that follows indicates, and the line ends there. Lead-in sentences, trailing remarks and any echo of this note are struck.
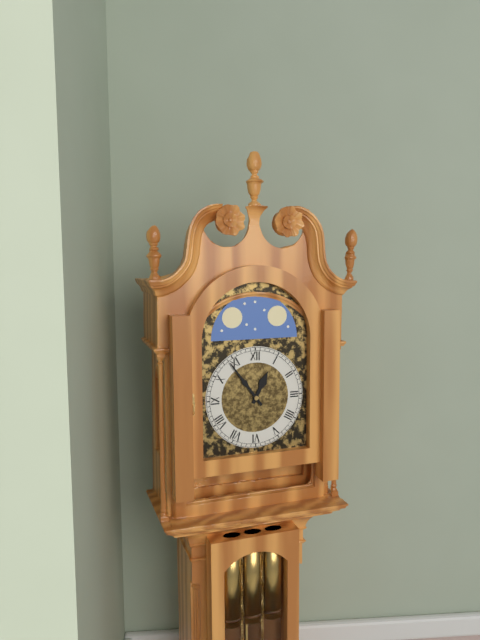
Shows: 12:54
